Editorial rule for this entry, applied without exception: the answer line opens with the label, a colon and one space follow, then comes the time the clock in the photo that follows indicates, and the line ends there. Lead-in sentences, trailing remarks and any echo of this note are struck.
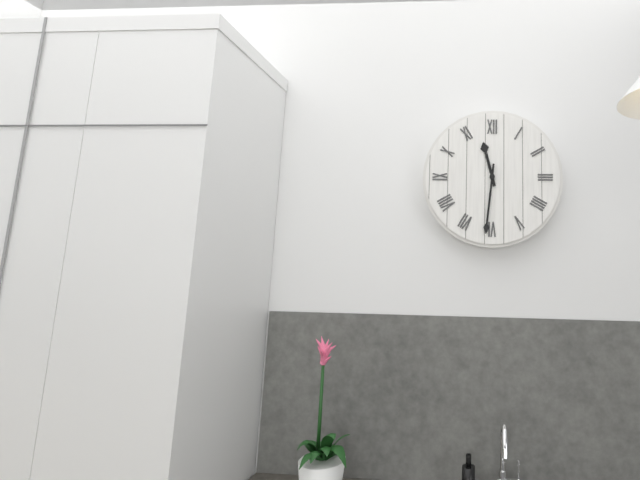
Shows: 11:31
